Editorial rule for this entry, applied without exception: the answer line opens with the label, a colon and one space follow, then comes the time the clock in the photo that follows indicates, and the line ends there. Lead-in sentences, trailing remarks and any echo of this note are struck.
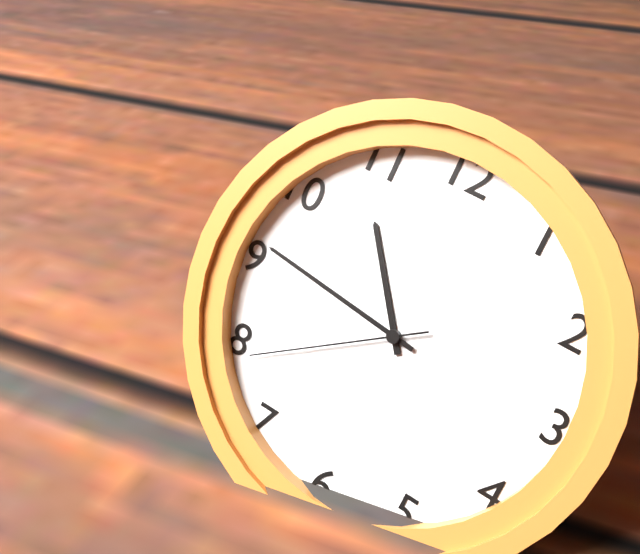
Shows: 10:46:39
